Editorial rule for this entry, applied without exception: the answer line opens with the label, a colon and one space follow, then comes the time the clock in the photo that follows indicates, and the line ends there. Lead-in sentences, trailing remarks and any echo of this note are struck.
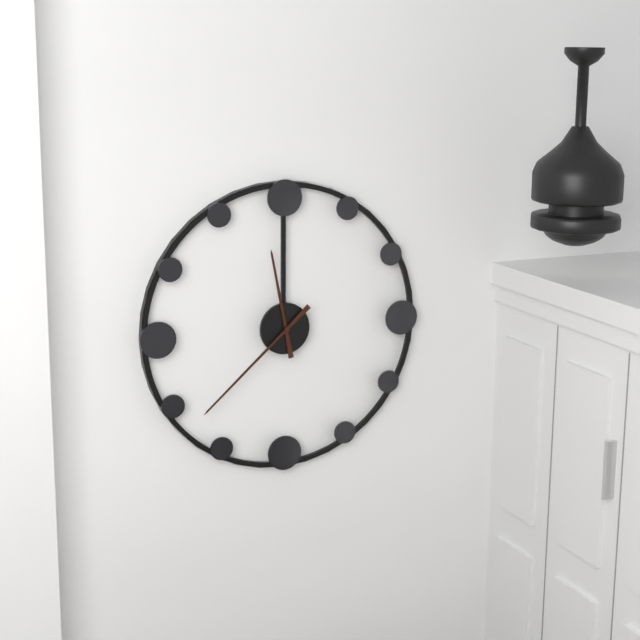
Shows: 11:38
